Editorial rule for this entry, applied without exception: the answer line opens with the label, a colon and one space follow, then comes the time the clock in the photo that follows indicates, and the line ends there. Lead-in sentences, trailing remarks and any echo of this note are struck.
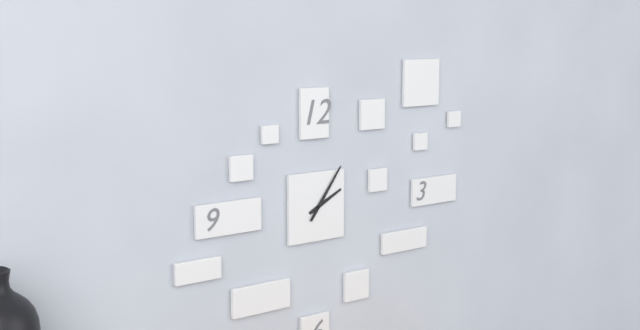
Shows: 2:06
